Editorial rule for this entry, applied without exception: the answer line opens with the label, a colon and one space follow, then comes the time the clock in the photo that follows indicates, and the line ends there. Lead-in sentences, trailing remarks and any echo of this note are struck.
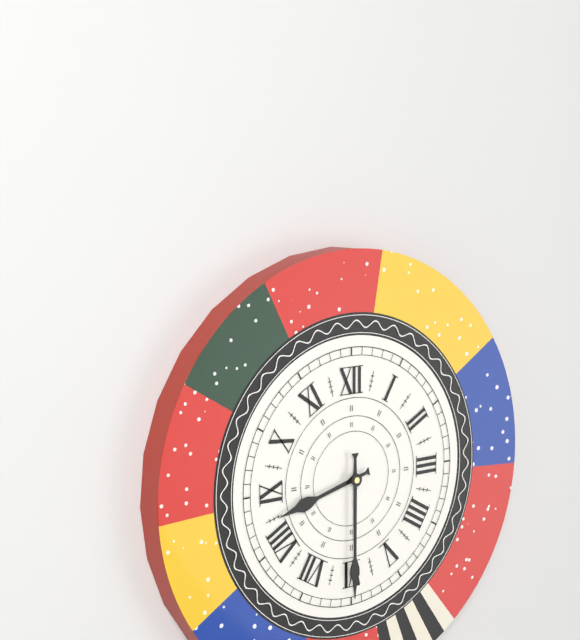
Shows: 8:30
